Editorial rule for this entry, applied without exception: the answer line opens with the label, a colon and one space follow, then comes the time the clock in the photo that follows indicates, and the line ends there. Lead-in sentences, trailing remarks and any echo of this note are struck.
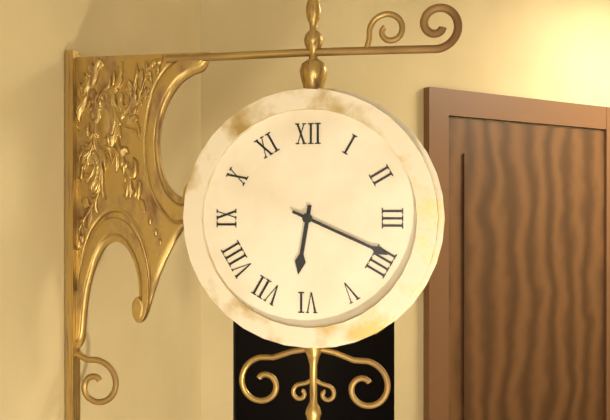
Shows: 6:19
